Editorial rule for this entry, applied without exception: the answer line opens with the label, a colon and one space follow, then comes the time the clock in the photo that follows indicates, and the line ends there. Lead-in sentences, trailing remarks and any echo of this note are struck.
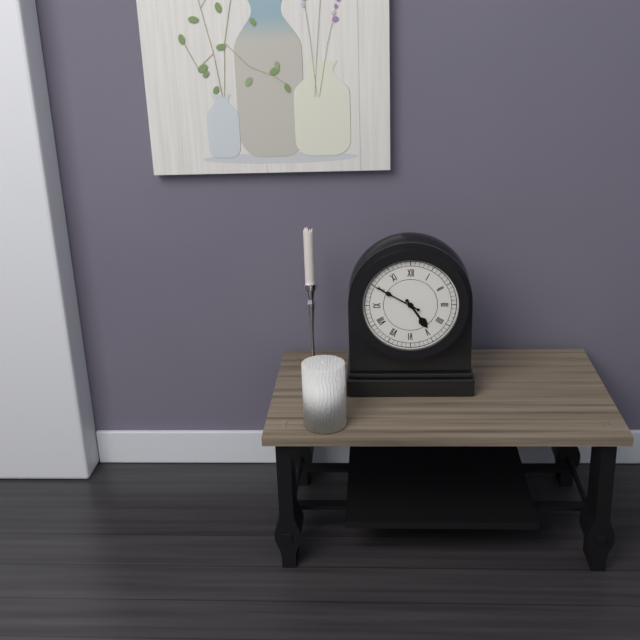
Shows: 4:50
